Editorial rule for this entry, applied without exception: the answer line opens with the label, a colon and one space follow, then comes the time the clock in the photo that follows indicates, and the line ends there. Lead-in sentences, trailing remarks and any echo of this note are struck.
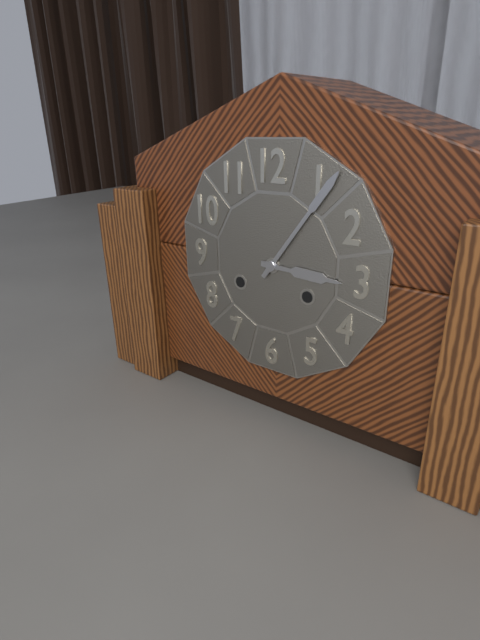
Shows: 3:06
